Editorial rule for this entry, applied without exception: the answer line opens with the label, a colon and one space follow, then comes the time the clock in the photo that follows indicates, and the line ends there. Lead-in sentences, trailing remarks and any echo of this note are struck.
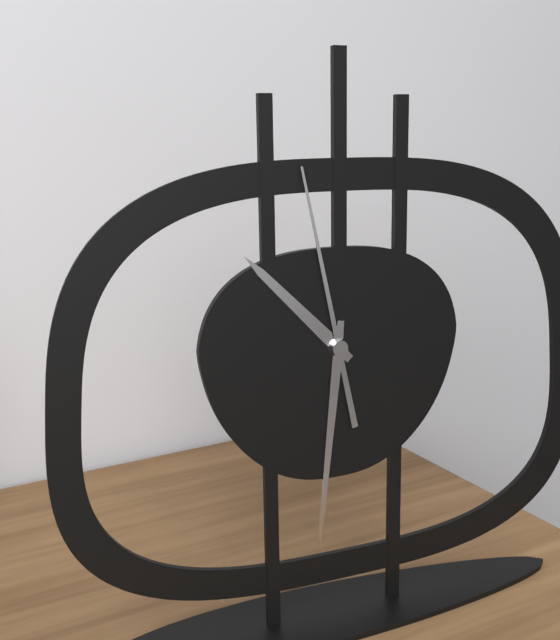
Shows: 10:31:58
